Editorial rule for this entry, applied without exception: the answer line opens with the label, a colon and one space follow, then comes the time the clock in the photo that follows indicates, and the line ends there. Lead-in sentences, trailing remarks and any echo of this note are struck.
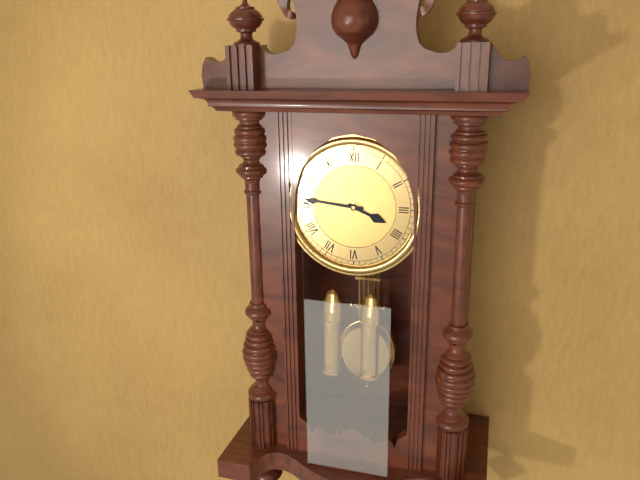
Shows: 3:46
